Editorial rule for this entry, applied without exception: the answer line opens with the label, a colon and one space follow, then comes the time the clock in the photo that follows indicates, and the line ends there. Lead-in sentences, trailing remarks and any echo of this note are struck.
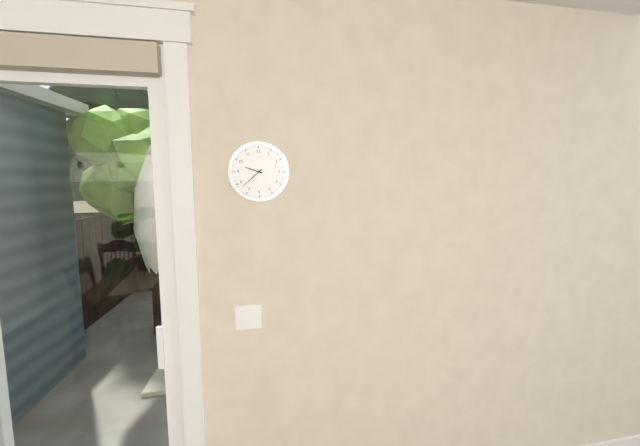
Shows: 9:38
